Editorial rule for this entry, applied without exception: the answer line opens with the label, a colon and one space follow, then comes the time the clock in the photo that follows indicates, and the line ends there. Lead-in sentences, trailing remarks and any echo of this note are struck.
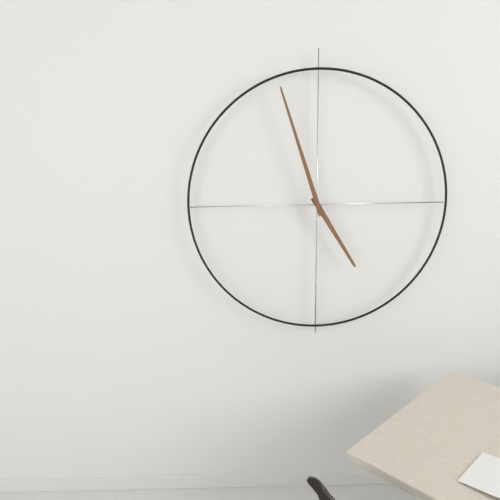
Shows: 4:57
